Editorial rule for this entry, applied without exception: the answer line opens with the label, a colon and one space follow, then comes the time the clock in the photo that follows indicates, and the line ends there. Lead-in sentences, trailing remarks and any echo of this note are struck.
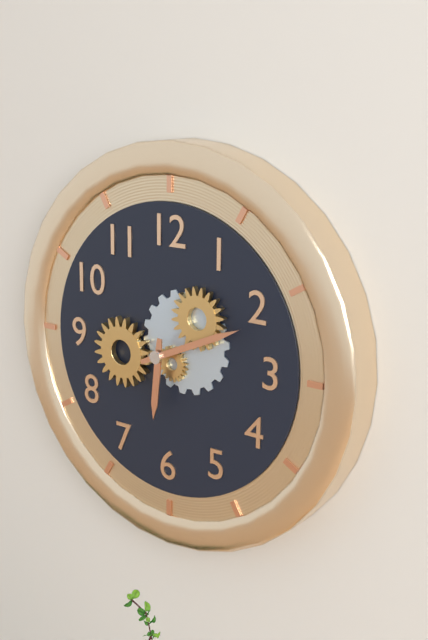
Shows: 6:11
